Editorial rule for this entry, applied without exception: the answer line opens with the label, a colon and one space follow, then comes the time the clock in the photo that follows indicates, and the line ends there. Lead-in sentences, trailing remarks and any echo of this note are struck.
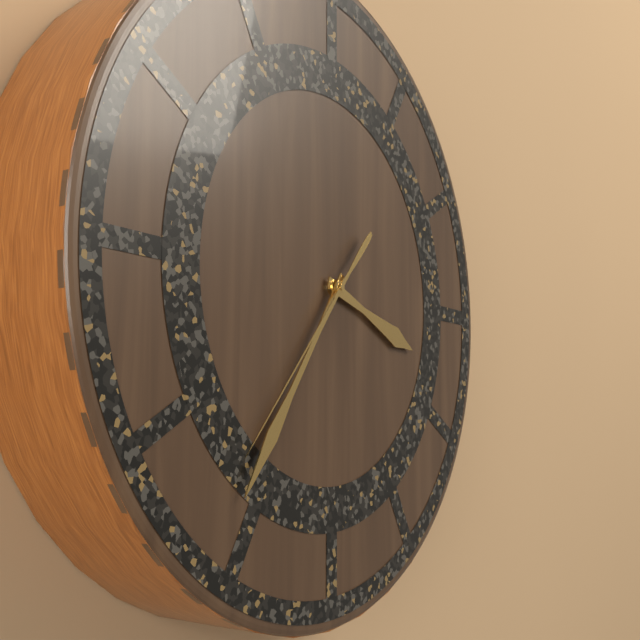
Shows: 3:36:37
